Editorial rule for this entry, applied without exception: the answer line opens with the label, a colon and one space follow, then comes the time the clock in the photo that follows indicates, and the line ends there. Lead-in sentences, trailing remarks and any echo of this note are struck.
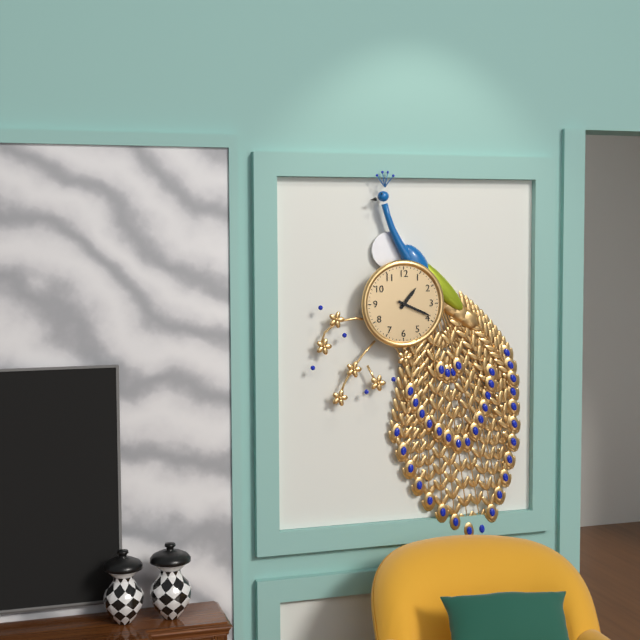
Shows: 1:19
